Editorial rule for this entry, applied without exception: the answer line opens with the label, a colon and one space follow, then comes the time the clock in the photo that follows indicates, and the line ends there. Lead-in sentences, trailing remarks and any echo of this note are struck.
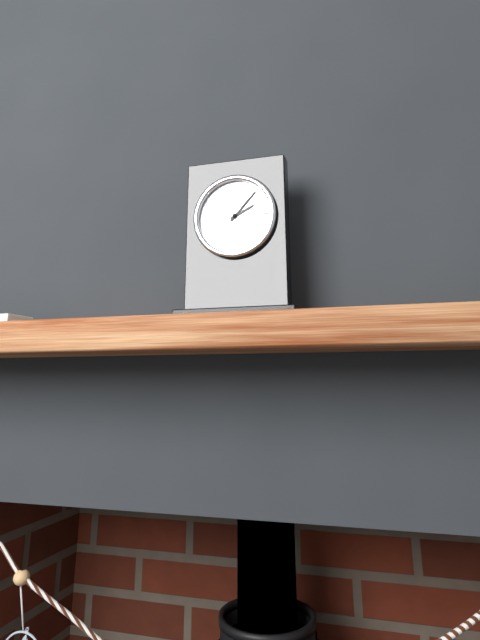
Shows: 2:07
